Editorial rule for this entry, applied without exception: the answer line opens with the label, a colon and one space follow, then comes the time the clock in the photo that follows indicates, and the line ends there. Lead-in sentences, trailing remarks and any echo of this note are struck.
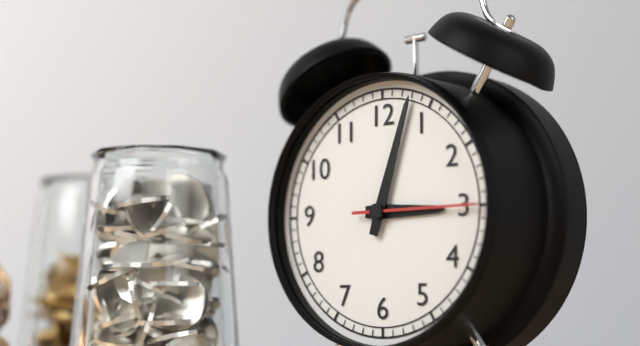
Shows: 3:03:15
